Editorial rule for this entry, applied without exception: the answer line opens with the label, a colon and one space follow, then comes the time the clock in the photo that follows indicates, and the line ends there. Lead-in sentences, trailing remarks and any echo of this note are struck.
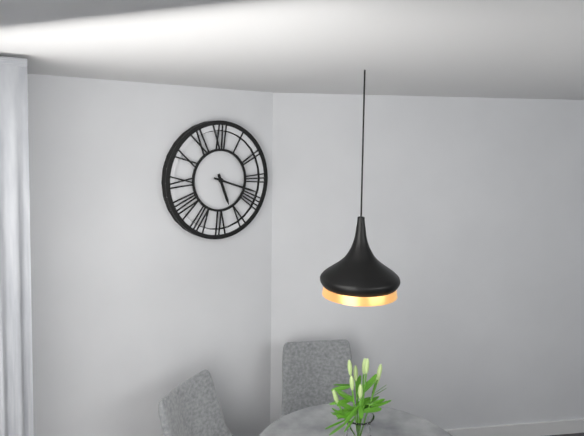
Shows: 5:18
